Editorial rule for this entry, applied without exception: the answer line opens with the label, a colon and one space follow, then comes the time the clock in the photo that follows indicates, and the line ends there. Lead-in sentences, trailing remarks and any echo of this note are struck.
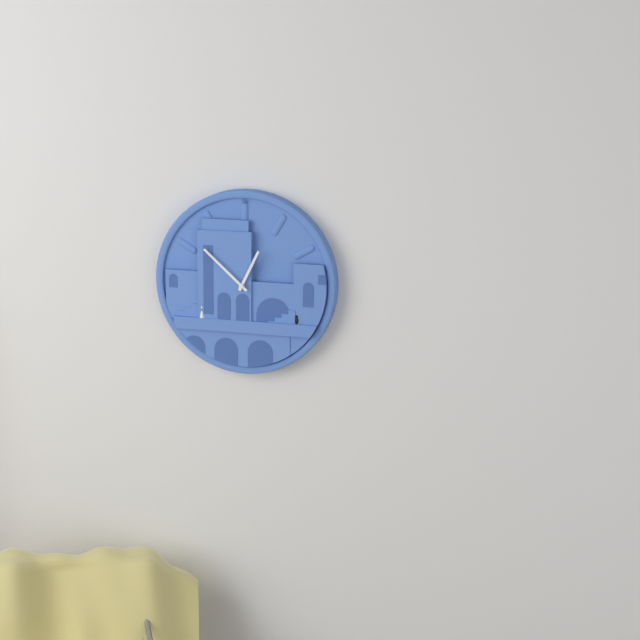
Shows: 12:52
